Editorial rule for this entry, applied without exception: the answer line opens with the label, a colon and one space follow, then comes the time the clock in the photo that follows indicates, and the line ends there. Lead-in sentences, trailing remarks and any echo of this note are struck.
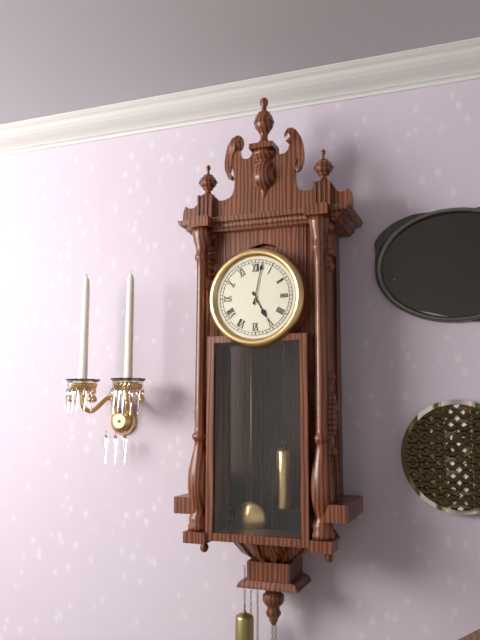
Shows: 5:02
